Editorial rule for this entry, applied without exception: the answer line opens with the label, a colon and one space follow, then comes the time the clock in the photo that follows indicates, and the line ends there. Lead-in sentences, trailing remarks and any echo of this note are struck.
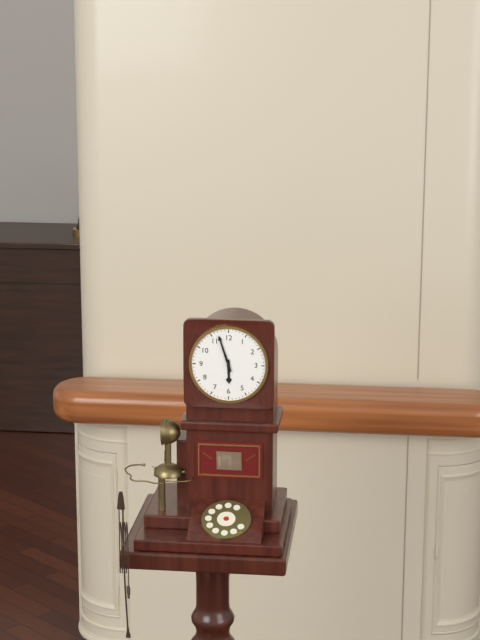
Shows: 5:57
